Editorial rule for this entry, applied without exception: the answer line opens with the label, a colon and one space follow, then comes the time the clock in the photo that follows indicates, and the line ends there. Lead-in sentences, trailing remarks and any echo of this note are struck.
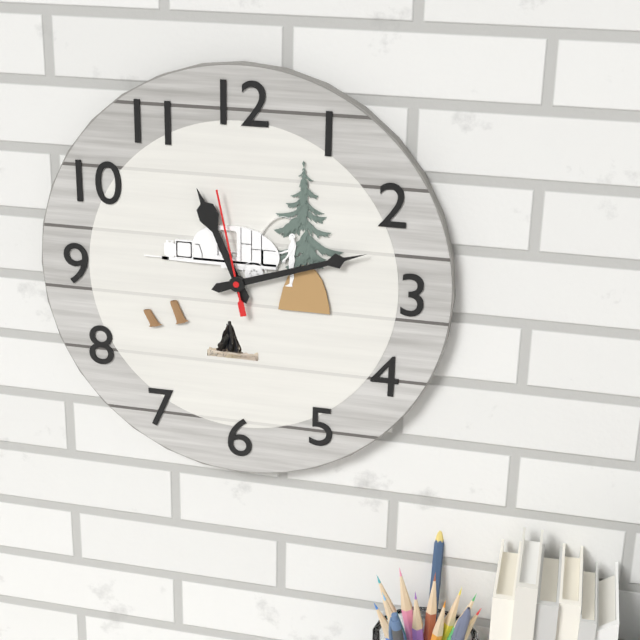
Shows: 11:12:58
